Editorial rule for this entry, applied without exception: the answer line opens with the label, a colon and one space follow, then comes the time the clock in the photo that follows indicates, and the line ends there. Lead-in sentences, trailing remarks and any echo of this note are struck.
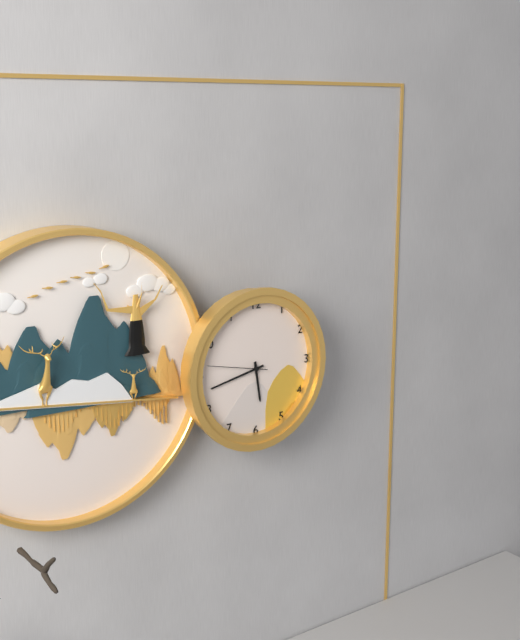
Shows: 5:43:47
